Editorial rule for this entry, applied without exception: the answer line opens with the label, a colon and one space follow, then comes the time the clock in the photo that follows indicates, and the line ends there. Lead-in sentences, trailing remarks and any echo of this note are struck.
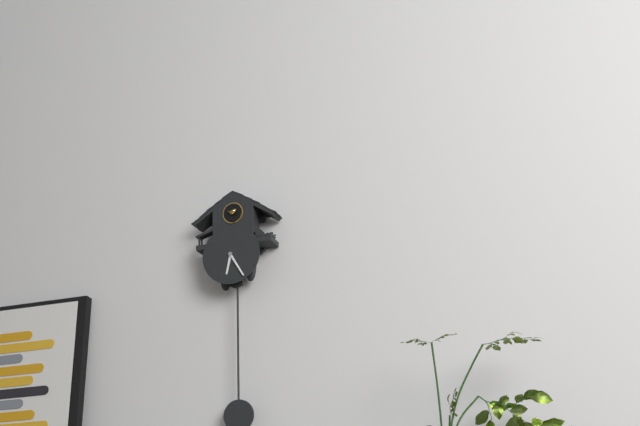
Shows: 6:25
